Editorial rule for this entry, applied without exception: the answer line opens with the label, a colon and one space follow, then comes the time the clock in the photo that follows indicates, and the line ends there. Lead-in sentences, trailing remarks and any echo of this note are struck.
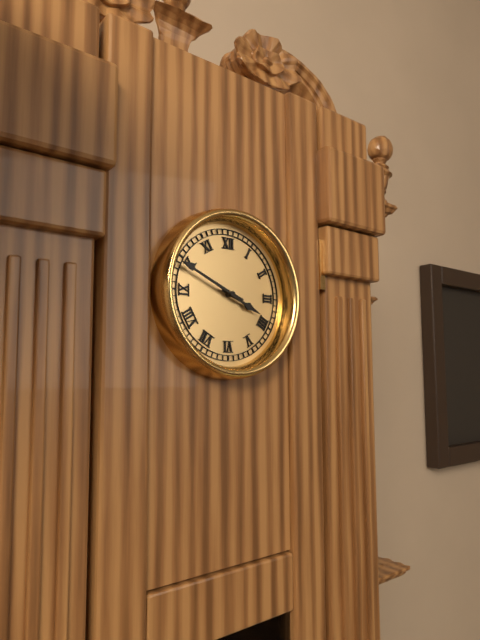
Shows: 3:49
